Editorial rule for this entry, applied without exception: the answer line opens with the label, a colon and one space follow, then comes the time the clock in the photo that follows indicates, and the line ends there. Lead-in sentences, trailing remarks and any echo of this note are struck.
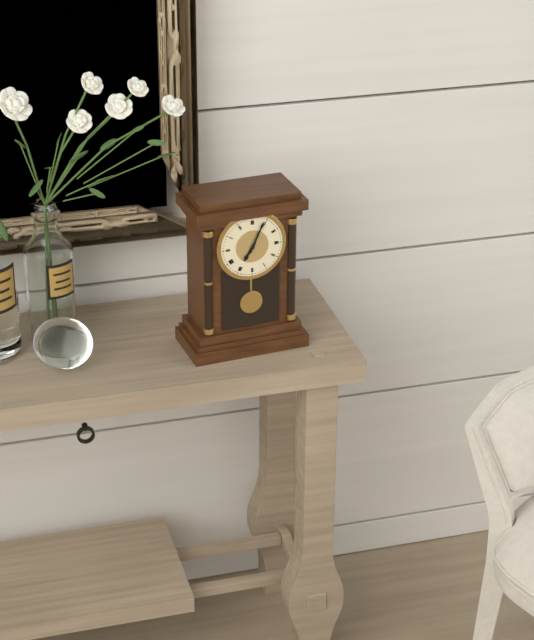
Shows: 7:04
